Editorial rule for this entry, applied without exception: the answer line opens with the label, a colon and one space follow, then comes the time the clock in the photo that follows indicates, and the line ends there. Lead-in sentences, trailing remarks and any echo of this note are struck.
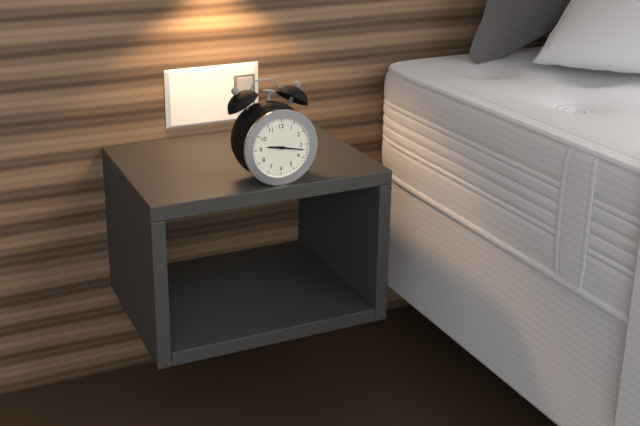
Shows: 9:17
